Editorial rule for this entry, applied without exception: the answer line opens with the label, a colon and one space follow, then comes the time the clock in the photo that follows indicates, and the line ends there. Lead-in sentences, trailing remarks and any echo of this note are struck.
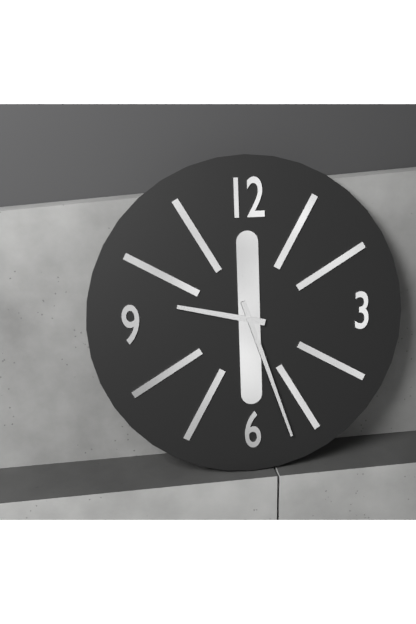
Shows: 9:27
